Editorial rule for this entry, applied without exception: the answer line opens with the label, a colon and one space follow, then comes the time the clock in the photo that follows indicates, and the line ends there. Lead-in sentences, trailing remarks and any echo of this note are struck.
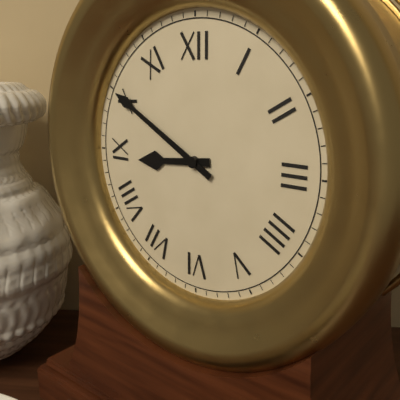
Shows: 8:50
